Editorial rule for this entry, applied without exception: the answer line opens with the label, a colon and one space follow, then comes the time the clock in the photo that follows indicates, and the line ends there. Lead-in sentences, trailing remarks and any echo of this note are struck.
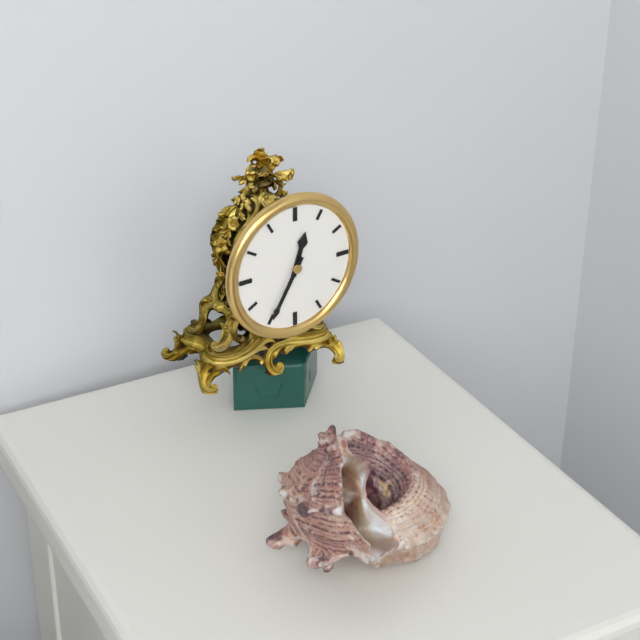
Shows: 12:35
